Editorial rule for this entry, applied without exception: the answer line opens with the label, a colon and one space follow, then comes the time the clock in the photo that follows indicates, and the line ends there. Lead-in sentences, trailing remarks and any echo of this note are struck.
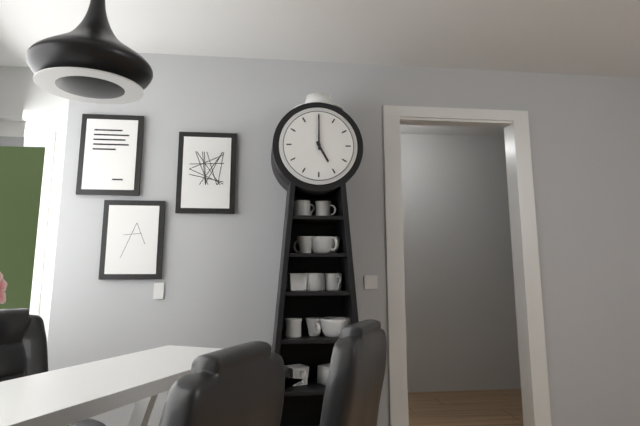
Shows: 5:00
